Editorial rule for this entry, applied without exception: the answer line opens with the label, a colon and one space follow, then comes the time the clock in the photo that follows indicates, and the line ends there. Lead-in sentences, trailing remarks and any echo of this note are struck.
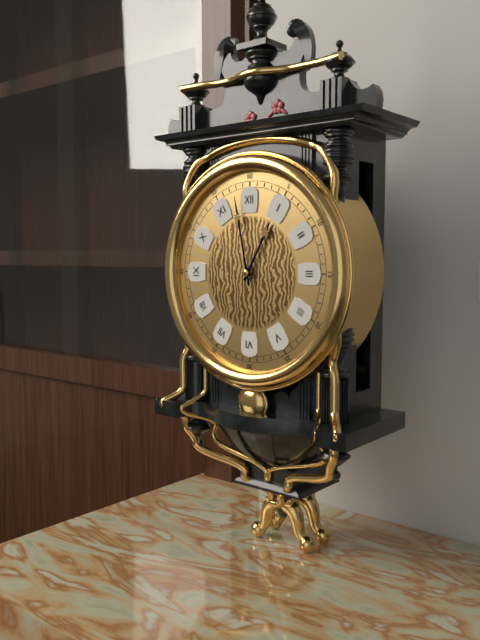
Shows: 12:58
